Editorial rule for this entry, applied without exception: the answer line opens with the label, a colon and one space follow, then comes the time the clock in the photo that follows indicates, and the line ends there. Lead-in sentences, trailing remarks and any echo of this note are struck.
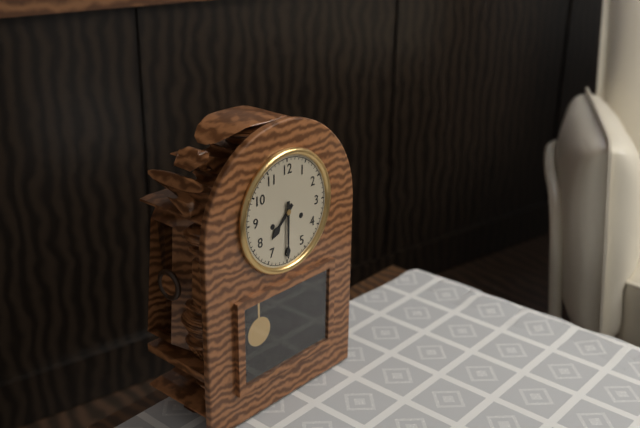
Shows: 7:30
